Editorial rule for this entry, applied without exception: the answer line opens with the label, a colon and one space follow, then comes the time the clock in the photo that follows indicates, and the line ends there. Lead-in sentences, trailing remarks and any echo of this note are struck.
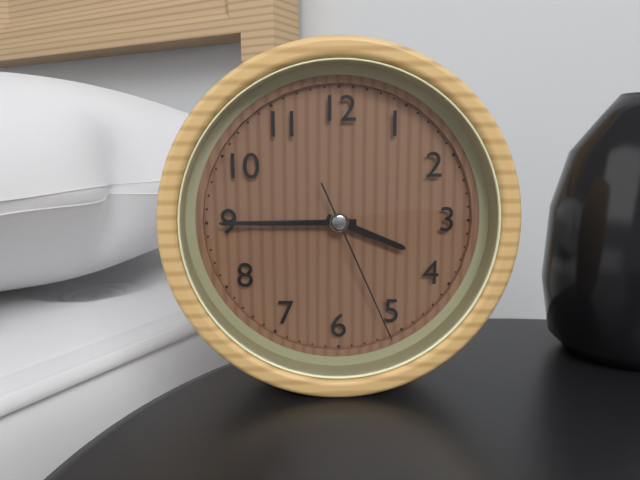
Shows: 3:45:26
